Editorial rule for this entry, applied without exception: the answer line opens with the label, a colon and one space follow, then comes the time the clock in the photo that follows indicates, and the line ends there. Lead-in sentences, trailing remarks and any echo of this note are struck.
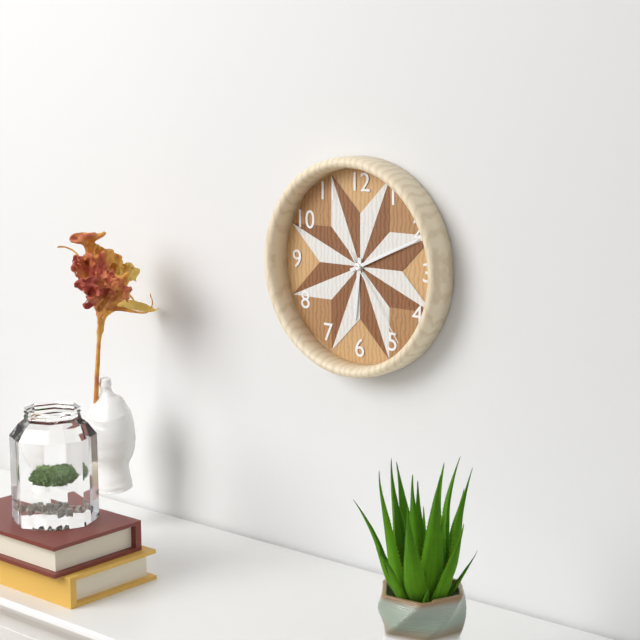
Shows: 6:11:24
